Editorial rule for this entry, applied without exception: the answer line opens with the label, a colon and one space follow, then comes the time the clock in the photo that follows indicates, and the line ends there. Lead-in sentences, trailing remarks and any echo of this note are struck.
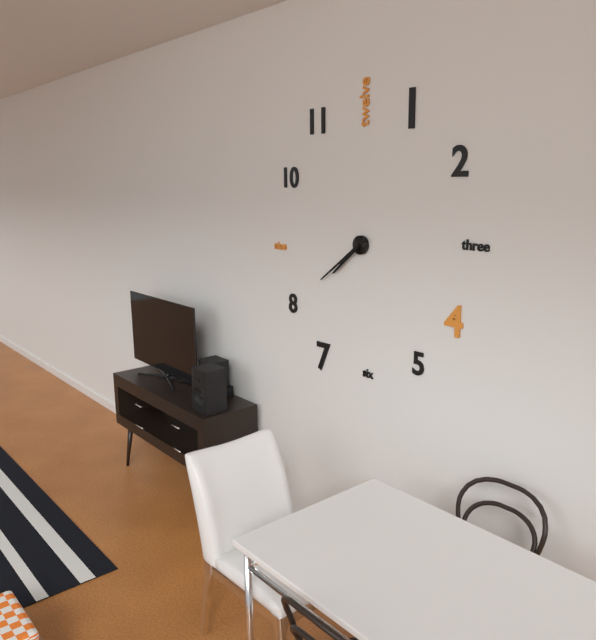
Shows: 7:39
